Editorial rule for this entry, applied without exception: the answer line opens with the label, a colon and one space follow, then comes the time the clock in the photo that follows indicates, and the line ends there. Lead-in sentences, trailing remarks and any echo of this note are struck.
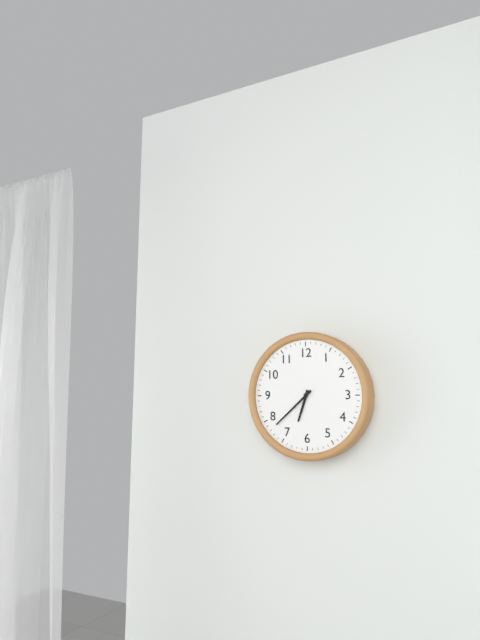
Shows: 6:38
